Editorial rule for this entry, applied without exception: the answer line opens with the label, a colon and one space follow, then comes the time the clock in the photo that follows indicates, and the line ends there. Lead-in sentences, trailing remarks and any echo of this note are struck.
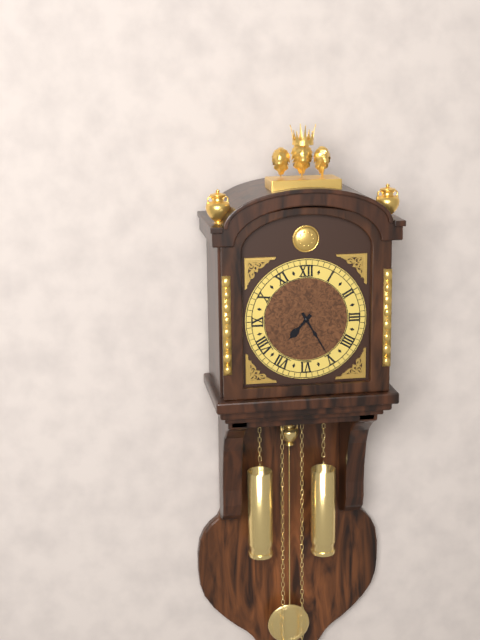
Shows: 7:25
